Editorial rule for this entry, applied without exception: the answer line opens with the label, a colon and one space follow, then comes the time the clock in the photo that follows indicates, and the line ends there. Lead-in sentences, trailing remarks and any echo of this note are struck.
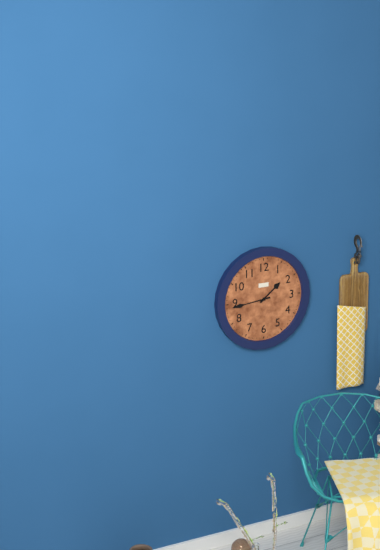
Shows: 1:44
